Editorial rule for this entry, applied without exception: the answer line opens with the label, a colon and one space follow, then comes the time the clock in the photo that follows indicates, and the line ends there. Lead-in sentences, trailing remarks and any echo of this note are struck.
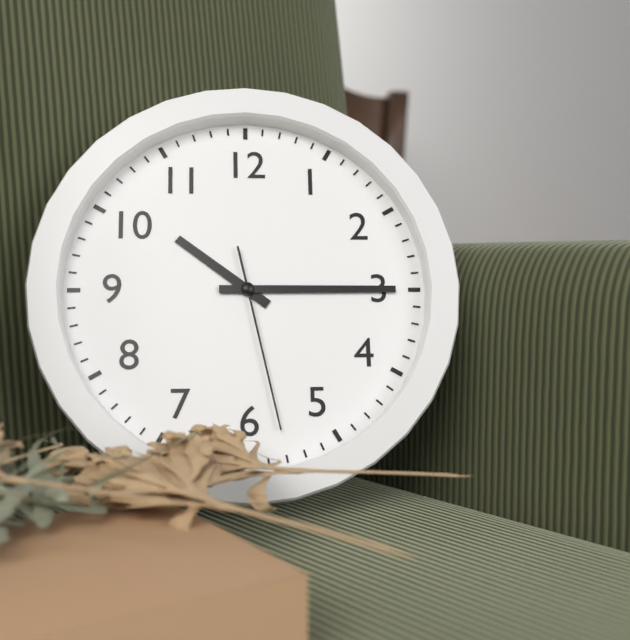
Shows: 10:15:28
